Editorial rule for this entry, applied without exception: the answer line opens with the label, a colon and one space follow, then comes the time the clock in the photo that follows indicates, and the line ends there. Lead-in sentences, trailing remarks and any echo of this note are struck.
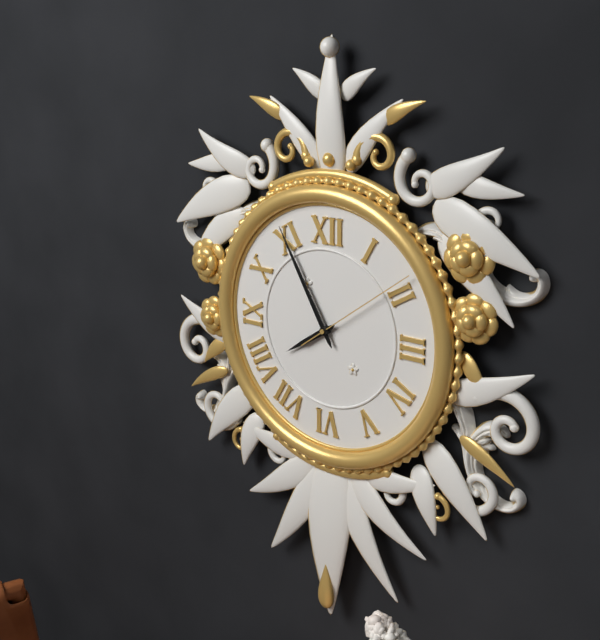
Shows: 7:55:09
